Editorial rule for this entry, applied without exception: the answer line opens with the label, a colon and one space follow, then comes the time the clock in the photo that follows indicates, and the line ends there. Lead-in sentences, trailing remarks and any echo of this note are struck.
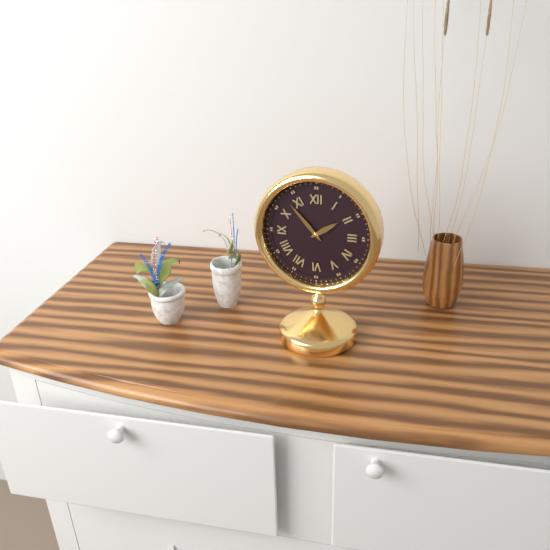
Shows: 1:53
